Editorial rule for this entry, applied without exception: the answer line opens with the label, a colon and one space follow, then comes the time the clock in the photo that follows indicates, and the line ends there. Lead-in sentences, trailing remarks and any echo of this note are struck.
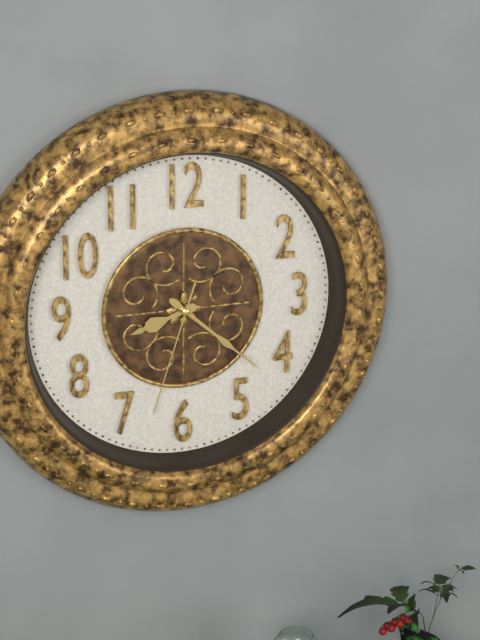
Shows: 8:22:33
